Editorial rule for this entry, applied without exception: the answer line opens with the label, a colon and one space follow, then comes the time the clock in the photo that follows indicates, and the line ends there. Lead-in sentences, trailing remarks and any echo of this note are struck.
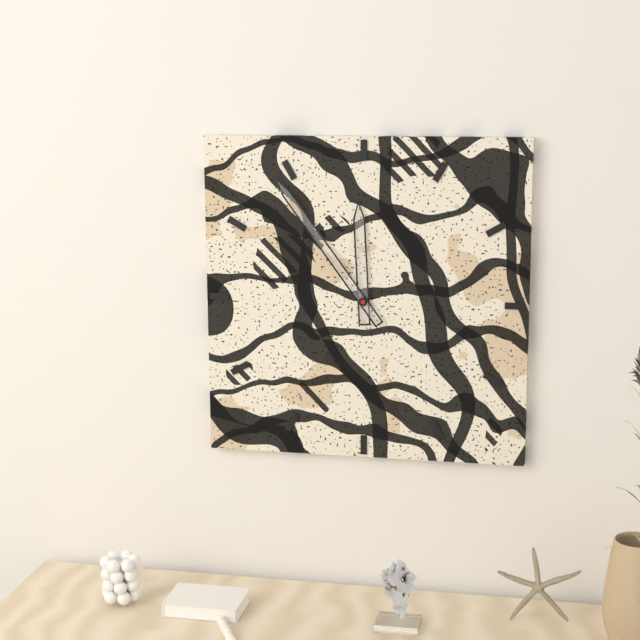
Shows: 11:54
